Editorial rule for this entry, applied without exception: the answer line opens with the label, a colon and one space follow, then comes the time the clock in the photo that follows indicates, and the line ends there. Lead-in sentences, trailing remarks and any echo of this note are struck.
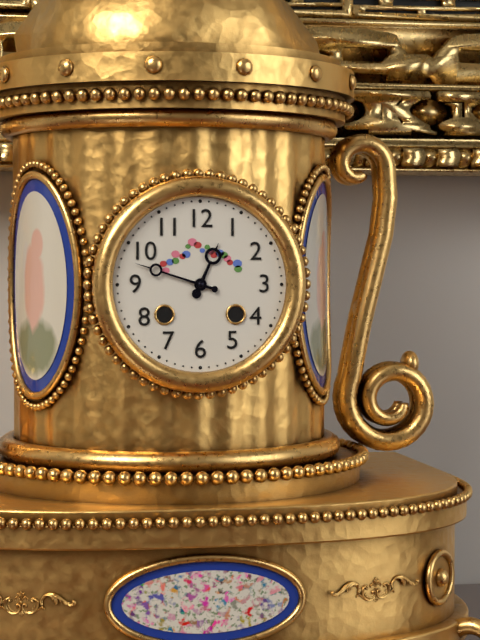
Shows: 12:48
